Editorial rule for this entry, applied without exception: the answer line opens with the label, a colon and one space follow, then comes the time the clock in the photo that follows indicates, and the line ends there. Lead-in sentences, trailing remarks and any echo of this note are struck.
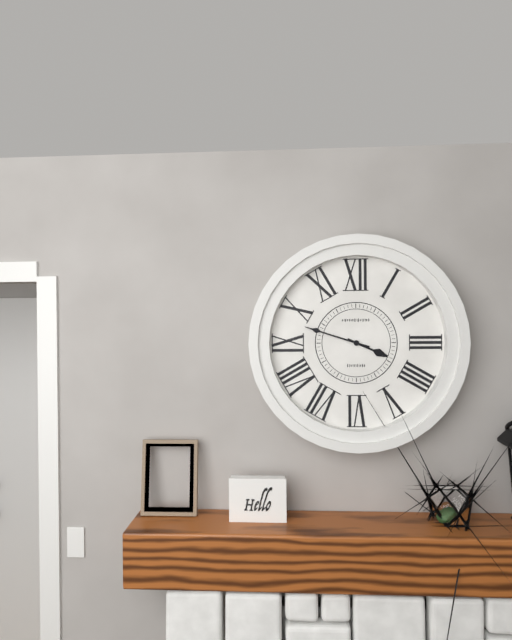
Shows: 3:48
